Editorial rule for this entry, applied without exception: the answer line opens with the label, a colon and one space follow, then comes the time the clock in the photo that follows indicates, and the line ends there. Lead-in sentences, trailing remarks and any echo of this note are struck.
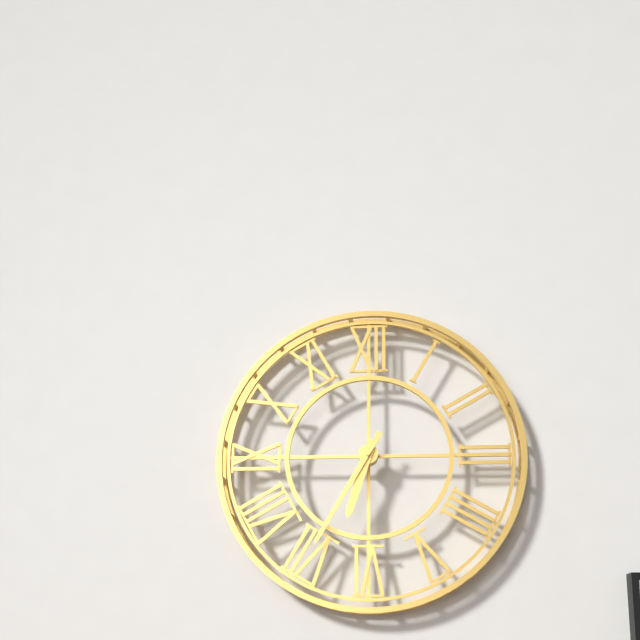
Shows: 6:35
